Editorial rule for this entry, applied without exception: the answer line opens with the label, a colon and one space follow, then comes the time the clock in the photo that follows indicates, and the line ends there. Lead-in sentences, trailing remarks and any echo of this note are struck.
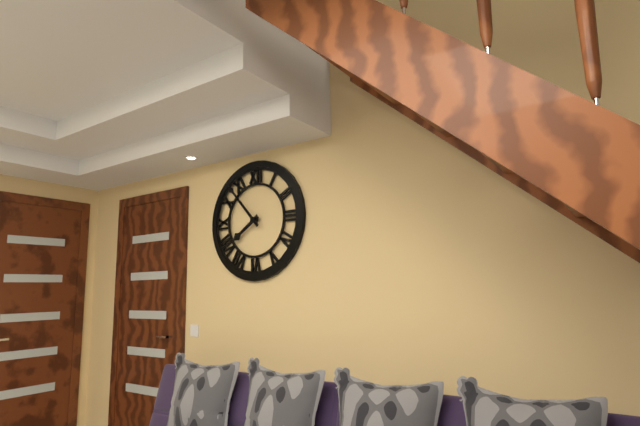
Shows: 7:53
